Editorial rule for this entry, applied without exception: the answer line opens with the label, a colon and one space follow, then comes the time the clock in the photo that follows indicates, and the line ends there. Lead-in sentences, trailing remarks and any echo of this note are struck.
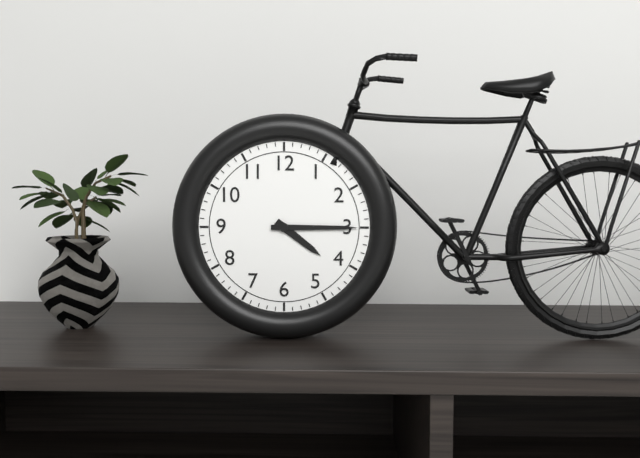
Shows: 4:15
